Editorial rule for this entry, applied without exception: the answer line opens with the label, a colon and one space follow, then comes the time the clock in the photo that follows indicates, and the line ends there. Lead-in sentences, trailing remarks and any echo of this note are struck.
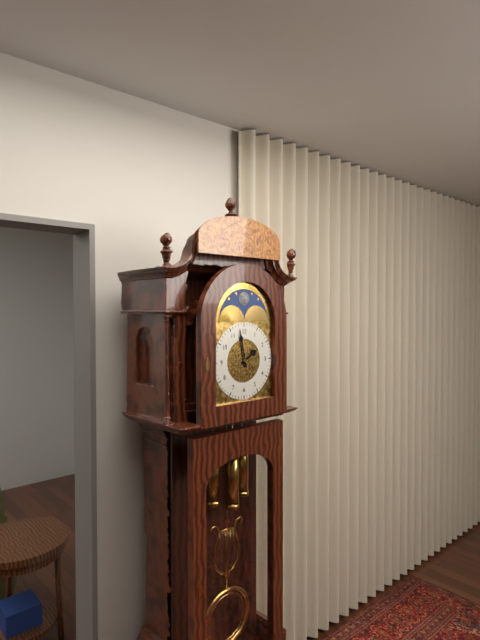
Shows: 1:58
